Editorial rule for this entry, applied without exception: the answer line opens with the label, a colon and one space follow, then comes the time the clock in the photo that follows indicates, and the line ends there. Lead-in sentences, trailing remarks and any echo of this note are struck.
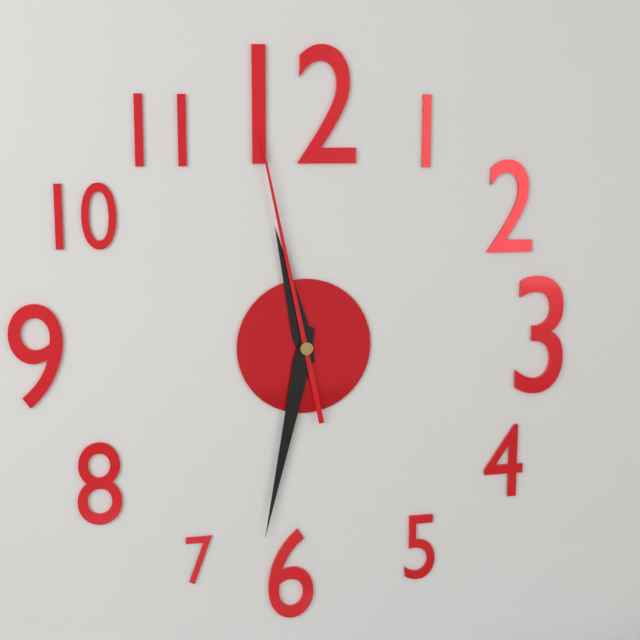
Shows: 11:32:58
